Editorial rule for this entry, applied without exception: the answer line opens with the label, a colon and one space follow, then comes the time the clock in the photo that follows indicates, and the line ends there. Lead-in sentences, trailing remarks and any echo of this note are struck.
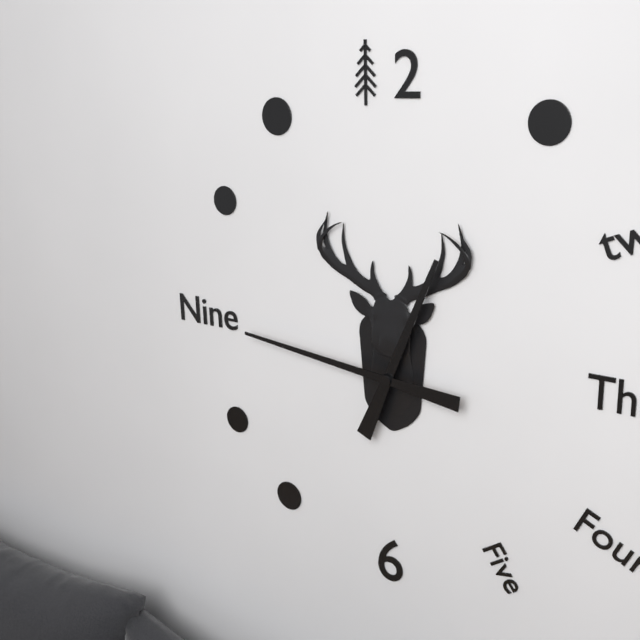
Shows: 12:46
